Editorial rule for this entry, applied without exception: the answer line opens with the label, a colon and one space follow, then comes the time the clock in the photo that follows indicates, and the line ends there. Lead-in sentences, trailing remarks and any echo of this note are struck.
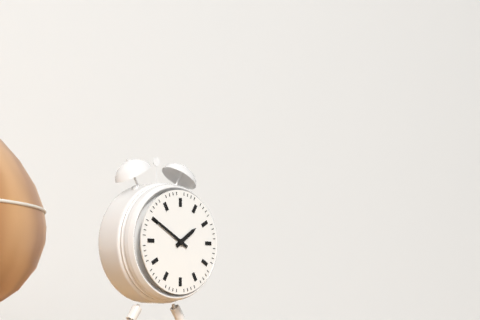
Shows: 1:50
